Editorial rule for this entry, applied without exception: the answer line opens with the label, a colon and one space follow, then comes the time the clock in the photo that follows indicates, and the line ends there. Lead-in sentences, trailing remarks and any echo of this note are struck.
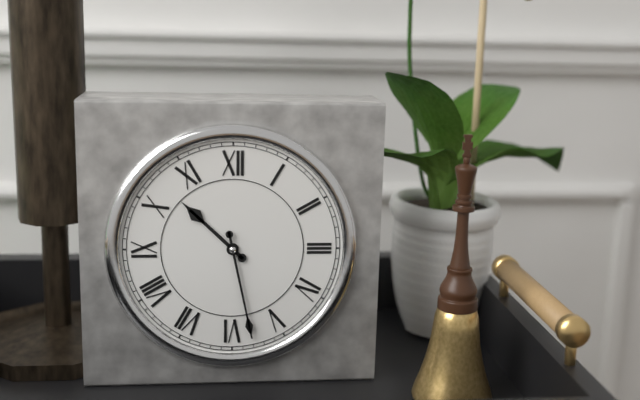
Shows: 10:28
